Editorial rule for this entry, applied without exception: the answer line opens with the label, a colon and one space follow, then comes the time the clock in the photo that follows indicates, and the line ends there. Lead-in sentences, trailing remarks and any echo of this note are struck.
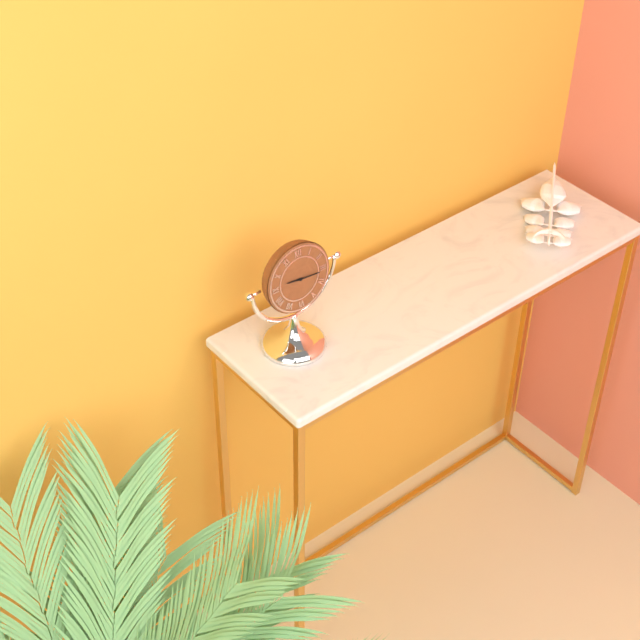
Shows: 9:16
